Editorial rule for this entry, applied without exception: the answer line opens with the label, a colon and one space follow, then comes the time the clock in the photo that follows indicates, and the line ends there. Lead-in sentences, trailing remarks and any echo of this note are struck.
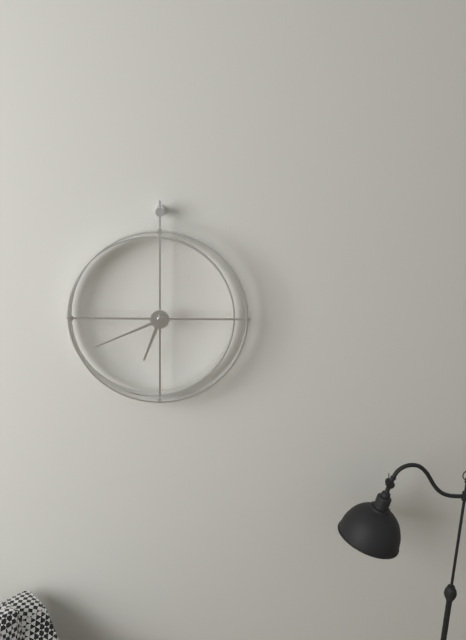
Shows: 6:41
